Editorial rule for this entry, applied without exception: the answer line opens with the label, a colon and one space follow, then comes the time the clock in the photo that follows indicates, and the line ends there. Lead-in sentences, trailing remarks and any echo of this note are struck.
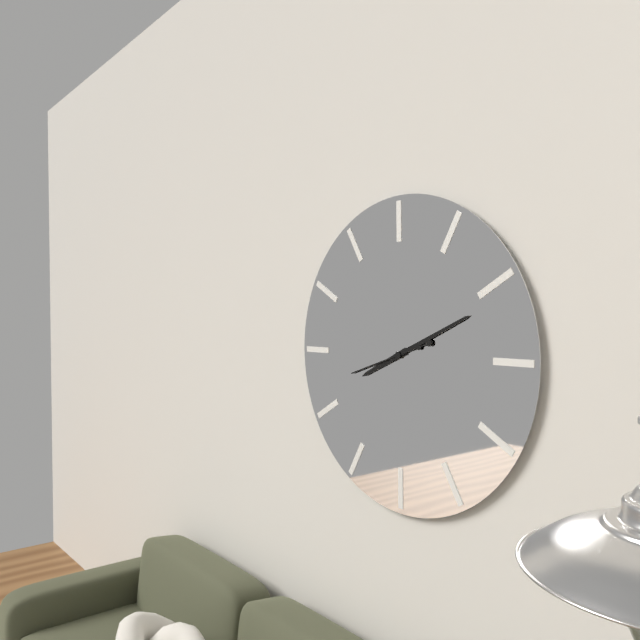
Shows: 8:11:42
